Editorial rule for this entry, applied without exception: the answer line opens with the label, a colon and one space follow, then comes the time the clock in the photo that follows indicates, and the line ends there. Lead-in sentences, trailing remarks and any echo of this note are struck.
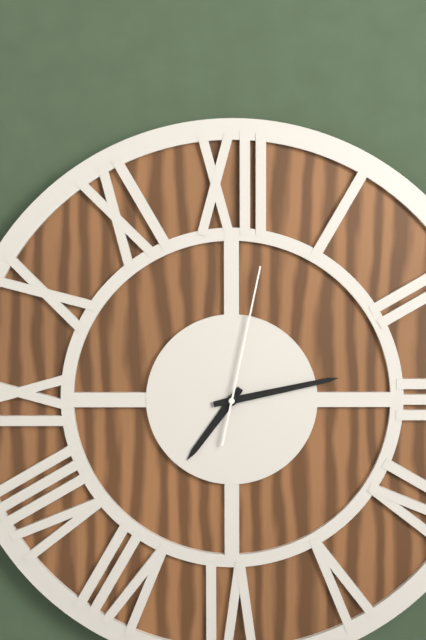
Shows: 7:13:02
